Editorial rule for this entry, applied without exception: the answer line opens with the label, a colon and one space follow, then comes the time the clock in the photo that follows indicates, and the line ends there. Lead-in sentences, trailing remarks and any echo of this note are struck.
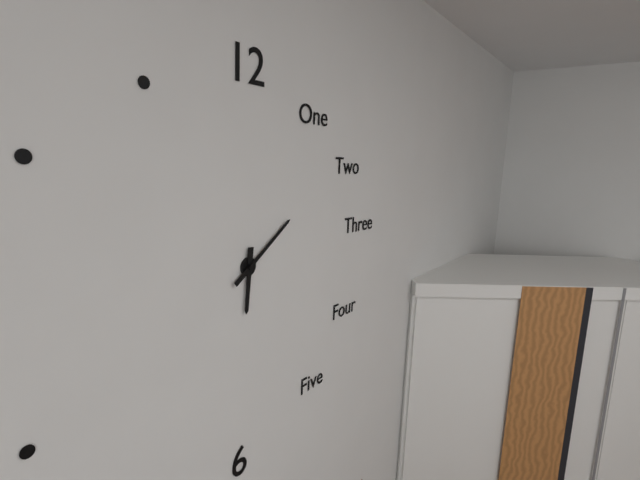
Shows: 6:09
